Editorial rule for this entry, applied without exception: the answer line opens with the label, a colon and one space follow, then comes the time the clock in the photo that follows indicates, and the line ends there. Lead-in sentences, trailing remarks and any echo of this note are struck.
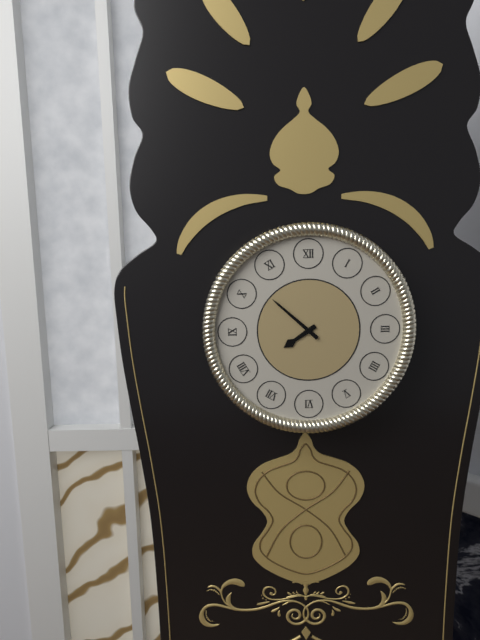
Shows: 7:52
